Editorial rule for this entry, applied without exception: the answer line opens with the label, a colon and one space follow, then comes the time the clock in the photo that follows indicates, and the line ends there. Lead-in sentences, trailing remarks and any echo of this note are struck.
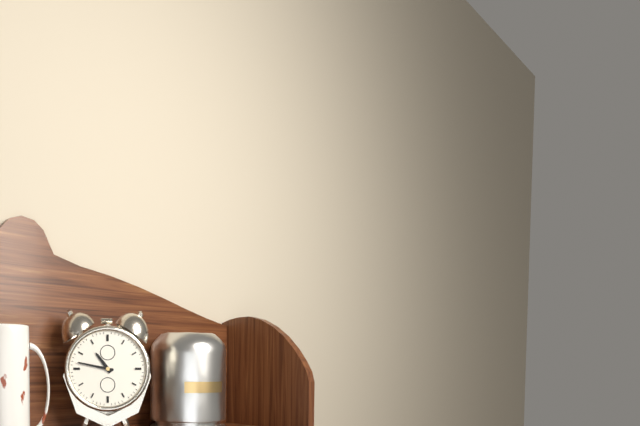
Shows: 10:47
